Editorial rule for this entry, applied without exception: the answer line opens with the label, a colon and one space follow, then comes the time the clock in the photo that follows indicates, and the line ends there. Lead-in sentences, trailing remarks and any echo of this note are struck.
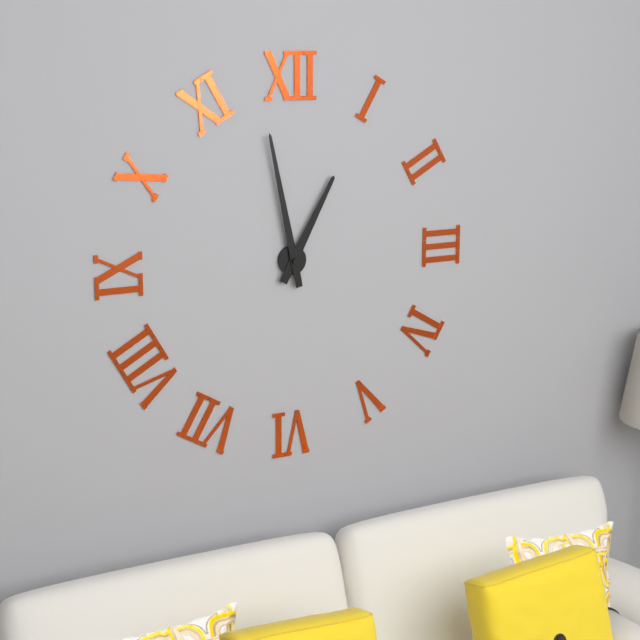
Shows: 12:58
